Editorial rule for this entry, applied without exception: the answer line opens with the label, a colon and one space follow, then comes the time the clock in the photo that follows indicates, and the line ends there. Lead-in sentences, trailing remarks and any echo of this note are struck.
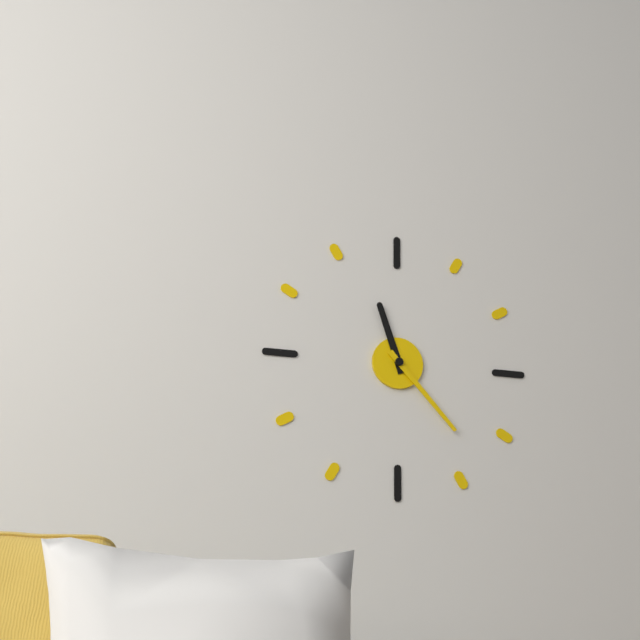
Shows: 11:23
